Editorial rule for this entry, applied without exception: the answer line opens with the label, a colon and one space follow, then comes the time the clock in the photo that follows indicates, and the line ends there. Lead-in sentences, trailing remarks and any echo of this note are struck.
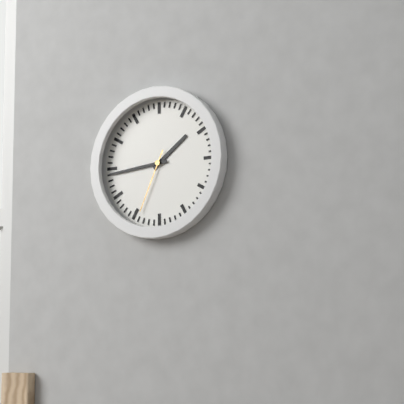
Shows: 1:44:34
